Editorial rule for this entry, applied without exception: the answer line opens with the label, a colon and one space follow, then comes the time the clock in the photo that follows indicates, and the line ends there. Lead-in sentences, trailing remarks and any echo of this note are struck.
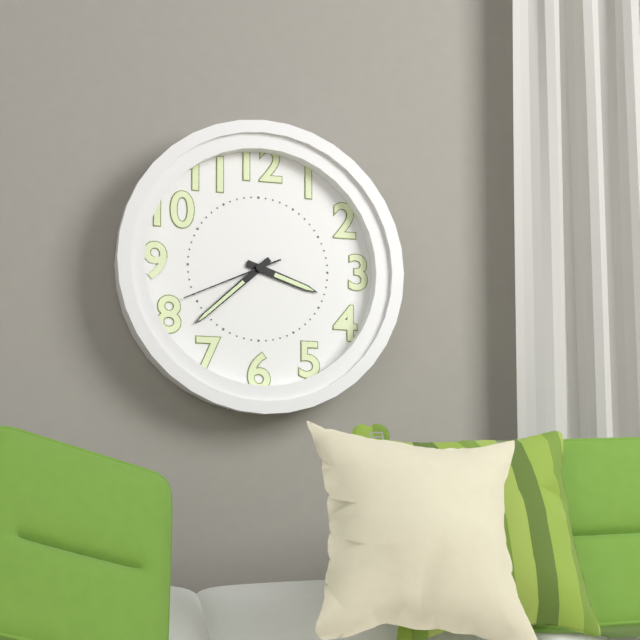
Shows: 3:38:41
